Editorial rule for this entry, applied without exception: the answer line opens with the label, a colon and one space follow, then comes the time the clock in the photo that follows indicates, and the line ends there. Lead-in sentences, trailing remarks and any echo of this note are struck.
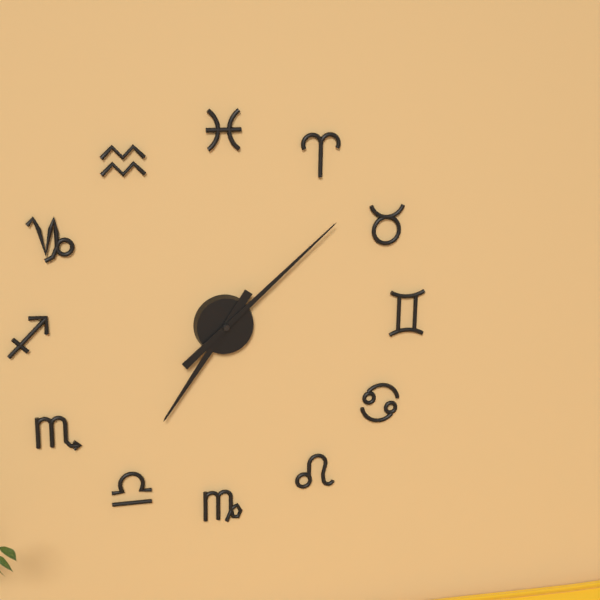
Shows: 7:08
